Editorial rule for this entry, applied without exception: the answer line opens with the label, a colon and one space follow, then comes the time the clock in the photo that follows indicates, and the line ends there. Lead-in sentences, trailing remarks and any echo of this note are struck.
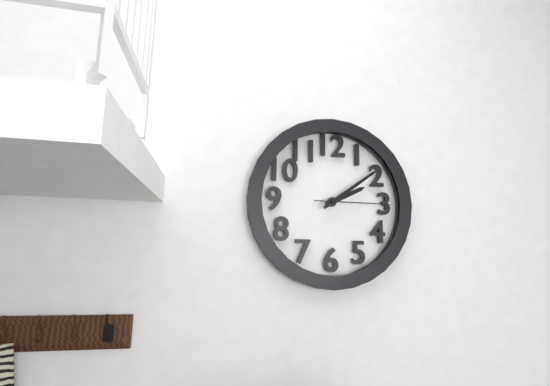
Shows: 2:09:15
